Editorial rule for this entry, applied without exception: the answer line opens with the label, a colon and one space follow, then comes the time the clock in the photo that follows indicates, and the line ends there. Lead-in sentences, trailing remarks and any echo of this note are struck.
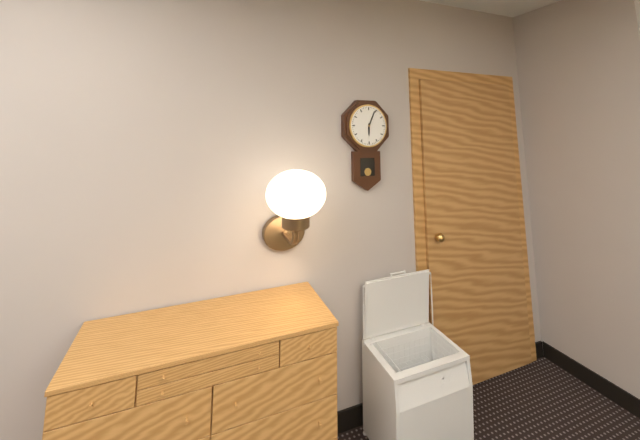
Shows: 6:04
